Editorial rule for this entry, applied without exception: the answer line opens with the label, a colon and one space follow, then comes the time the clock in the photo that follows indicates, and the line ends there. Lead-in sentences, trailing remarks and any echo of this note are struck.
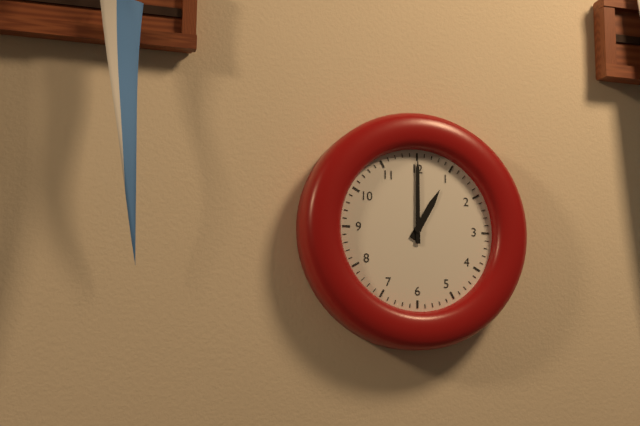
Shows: 1:00
